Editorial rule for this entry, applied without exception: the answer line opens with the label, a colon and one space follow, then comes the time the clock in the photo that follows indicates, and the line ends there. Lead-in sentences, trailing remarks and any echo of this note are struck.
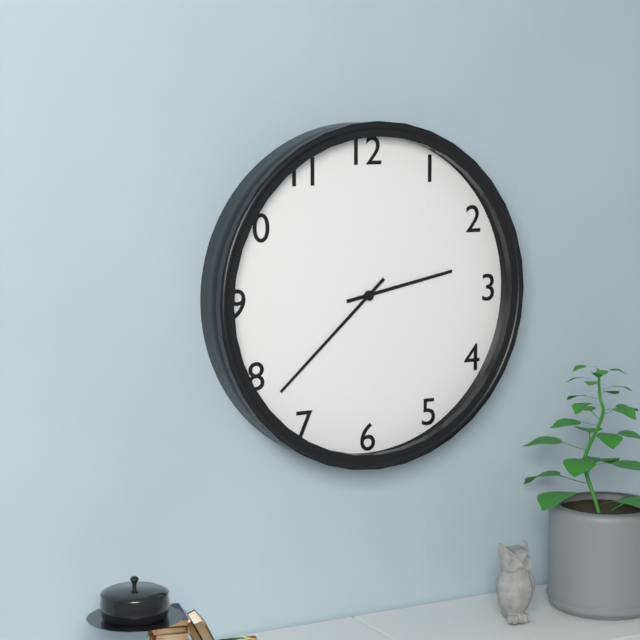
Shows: 2:38
